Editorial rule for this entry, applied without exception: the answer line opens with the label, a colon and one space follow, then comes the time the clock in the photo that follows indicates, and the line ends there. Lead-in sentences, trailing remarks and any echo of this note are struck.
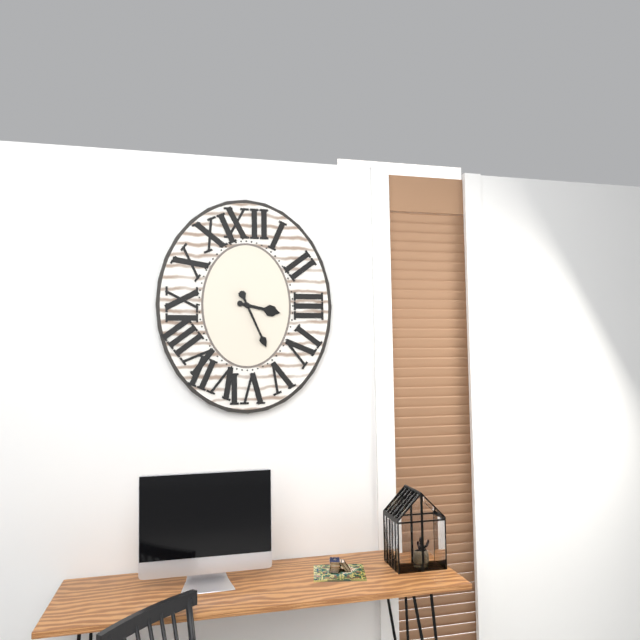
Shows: 3:26
